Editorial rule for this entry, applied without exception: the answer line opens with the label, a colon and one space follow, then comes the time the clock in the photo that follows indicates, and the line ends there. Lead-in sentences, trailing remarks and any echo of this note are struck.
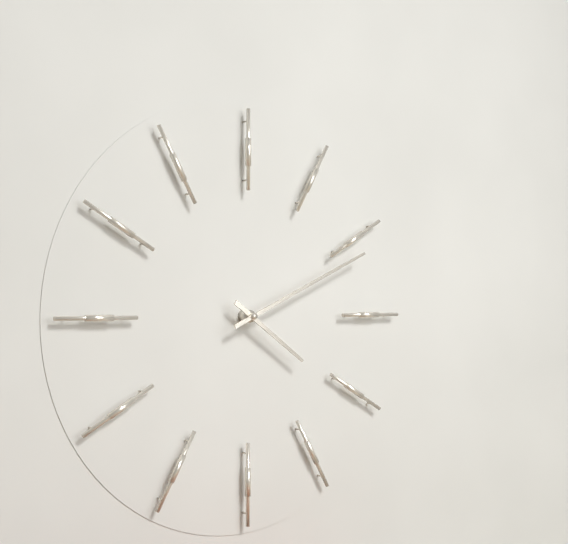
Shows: 4:11
